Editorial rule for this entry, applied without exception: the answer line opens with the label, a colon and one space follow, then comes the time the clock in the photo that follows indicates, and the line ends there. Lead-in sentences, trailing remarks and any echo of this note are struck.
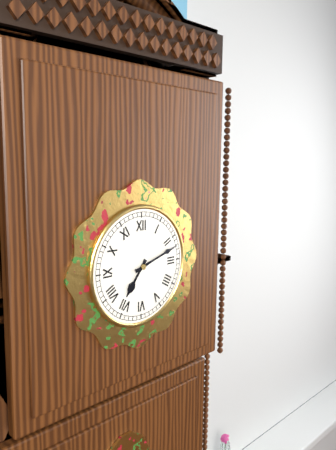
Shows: 7:12
